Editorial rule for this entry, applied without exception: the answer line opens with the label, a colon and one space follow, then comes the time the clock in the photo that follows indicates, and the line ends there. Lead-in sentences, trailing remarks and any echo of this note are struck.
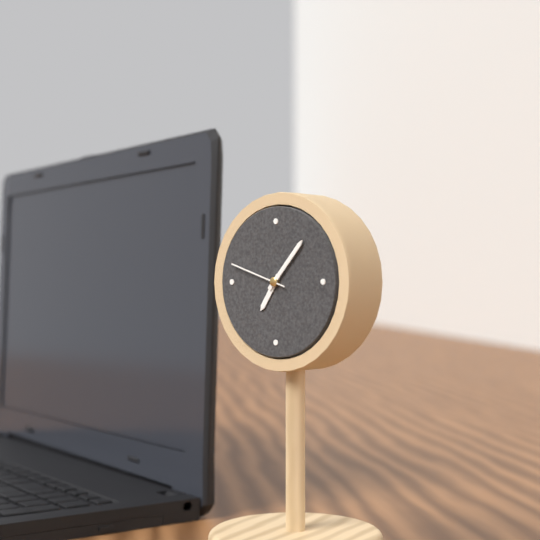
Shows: 7:07:48
